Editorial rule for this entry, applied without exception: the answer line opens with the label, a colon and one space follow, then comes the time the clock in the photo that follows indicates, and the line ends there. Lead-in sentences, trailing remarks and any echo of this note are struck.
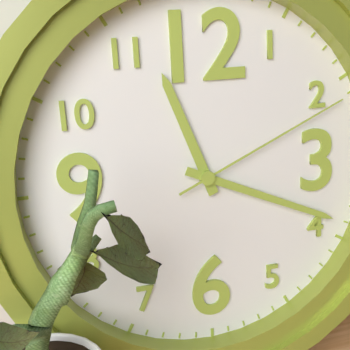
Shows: 11:19:11
